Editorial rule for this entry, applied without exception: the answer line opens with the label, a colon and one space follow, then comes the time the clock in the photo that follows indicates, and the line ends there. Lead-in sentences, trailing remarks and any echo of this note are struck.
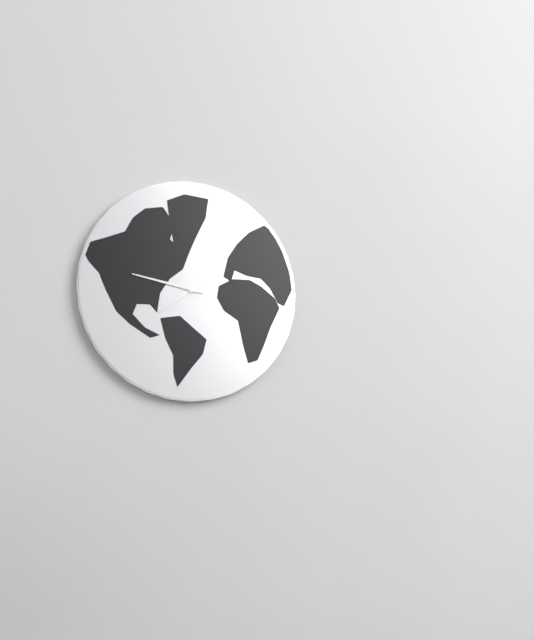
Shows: 7:47
